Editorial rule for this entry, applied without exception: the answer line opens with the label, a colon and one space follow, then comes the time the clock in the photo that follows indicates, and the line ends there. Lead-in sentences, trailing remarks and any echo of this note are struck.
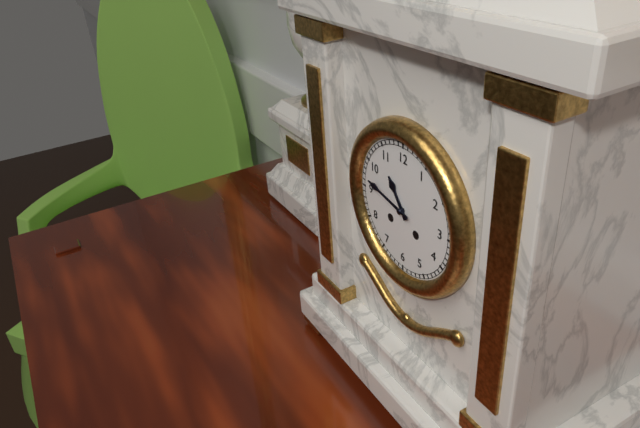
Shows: 10:47
